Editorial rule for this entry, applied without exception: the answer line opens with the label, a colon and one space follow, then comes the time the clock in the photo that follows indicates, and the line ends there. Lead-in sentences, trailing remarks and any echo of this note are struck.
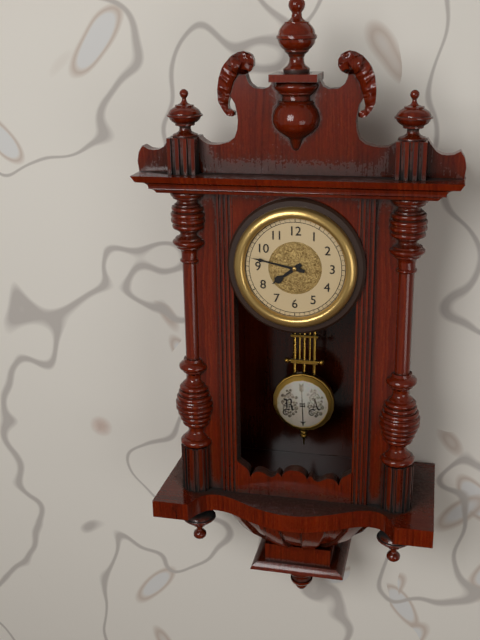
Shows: 7:47
